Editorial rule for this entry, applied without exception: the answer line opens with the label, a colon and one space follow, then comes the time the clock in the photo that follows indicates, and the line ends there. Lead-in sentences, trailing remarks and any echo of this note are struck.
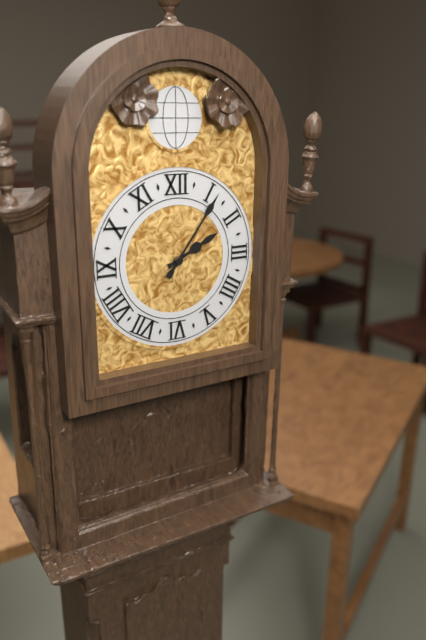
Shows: 2:06
